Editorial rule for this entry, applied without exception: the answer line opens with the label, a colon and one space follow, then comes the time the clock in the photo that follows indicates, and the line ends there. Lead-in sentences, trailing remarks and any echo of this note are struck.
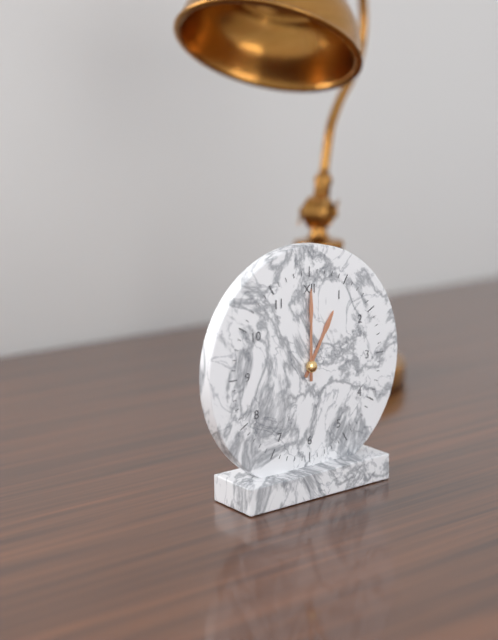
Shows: 1:00
